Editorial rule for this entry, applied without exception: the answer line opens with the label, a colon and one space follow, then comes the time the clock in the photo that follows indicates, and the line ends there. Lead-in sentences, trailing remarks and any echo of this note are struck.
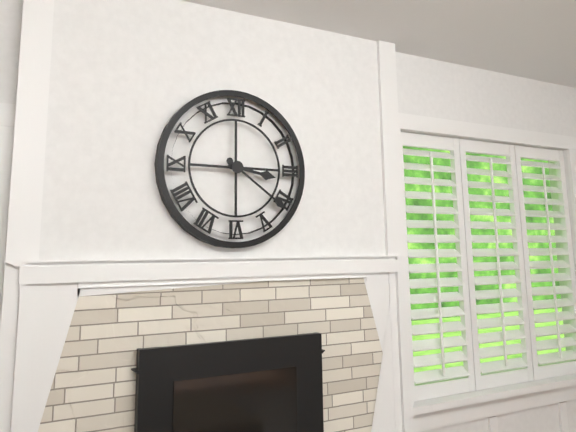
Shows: 3:21
